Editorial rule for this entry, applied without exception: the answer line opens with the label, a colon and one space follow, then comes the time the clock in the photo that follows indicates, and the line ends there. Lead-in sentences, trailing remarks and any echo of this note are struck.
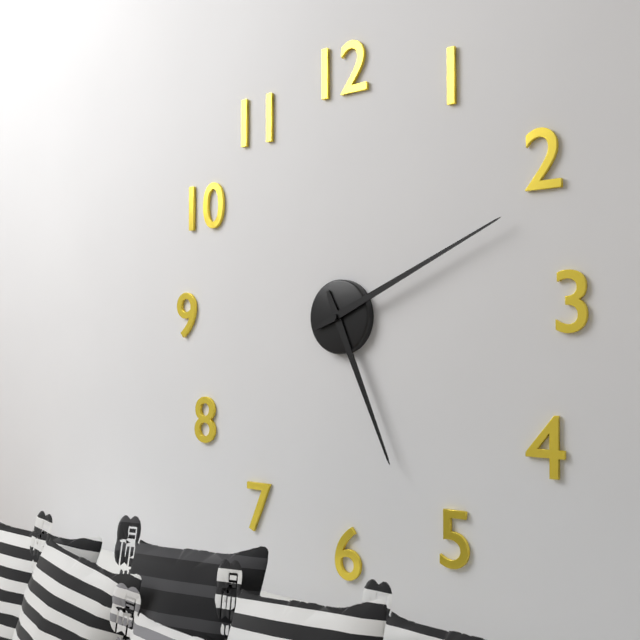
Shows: 5:11
